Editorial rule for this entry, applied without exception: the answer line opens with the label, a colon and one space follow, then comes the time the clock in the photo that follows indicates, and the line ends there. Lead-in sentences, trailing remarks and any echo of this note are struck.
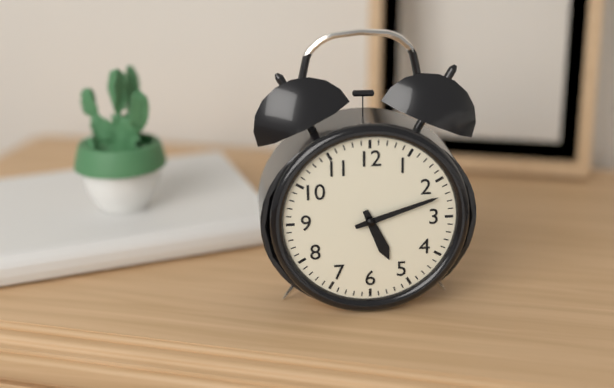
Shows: 5:12
